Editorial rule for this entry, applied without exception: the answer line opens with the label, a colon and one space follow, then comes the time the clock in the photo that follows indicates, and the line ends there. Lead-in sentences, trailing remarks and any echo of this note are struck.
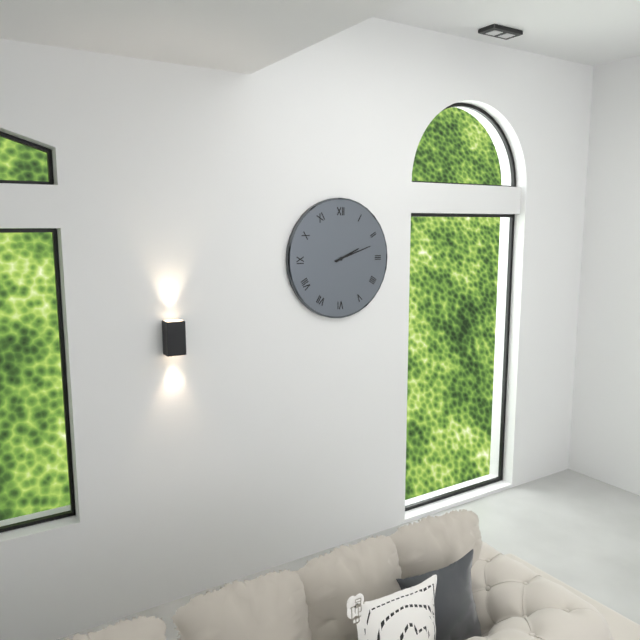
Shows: 2:12
